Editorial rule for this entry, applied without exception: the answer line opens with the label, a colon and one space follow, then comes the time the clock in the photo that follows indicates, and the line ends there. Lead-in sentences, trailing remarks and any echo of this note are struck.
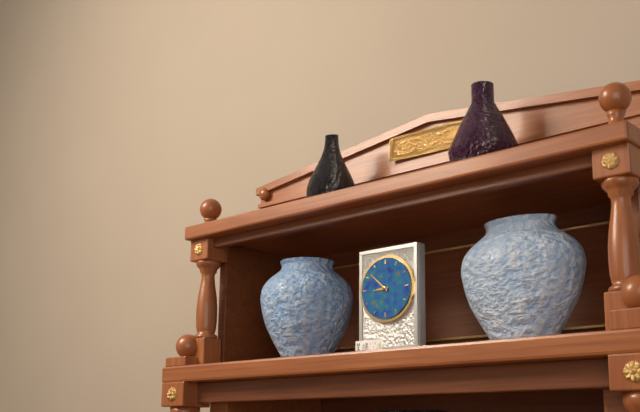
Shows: 8:52
